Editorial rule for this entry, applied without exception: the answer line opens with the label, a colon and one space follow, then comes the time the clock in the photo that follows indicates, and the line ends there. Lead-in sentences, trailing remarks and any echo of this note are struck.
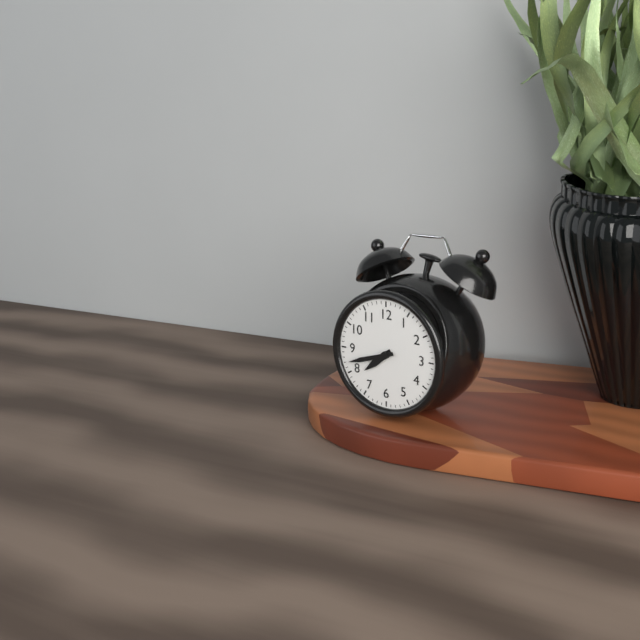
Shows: 7:42
